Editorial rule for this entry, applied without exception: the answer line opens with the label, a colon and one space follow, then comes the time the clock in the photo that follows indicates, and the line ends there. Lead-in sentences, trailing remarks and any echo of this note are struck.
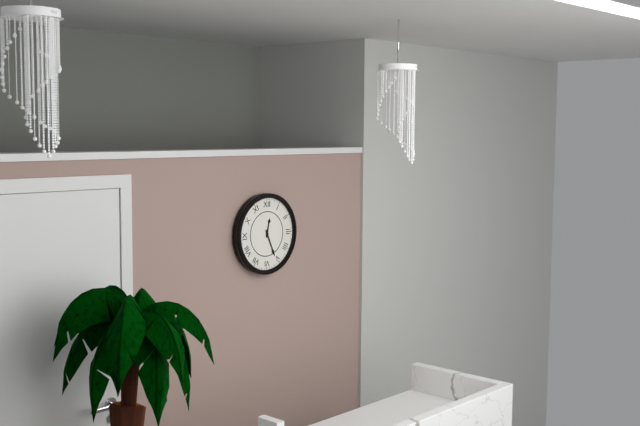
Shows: 12:26
